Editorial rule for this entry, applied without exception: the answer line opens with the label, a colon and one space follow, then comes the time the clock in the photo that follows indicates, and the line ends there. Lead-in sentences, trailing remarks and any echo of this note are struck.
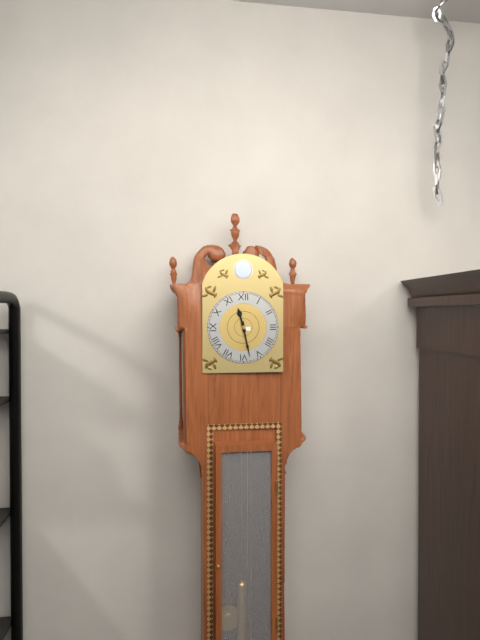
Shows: 11:28
